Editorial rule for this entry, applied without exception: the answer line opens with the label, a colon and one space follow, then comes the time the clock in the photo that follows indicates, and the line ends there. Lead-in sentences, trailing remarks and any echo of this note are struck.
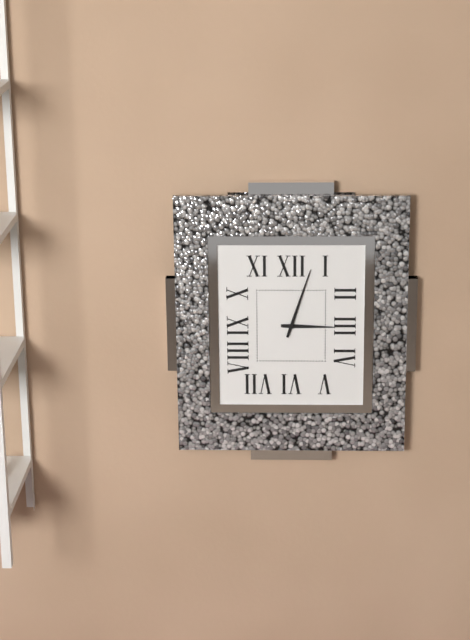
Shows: 3:03
